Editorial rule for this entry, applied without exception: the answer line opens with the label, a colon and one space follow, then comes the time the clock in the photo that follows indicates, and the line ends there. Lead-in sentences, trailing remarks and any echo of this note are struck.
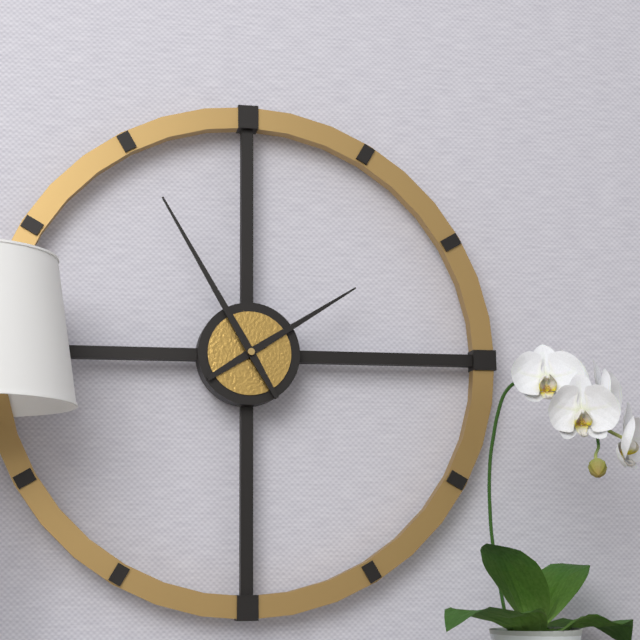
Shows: 1:55
